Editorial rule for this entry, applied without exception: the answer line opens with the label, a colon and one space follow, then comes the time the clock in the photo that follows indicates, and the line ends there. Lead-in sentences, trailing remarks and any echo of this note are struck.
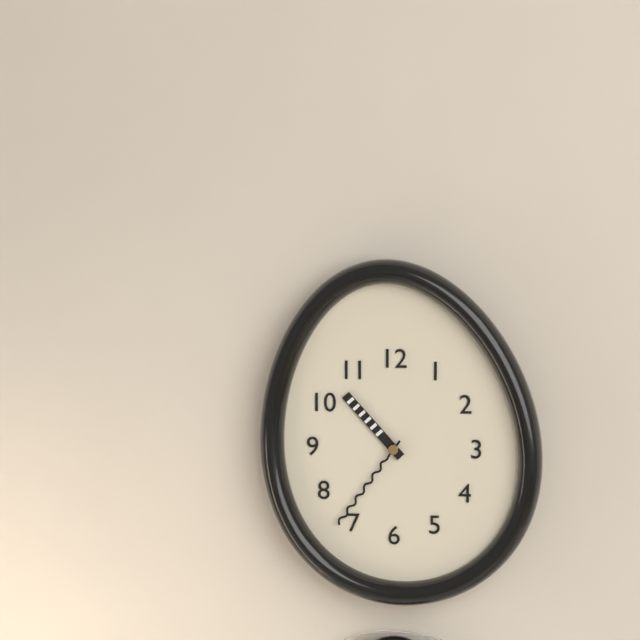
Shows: 10:36
